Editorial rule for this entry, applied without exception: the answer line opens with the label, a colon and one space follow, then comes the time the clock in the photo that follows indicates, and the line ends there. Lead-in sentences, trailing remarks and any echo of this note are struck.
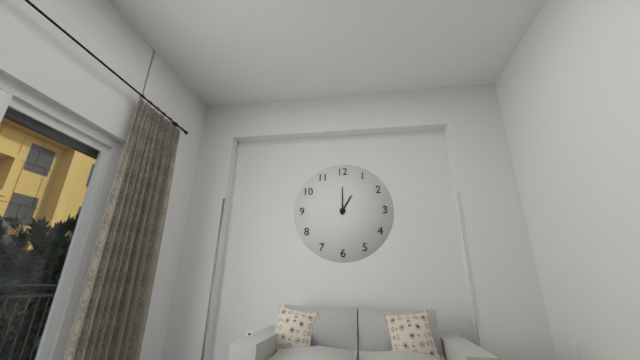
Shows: 1:00
